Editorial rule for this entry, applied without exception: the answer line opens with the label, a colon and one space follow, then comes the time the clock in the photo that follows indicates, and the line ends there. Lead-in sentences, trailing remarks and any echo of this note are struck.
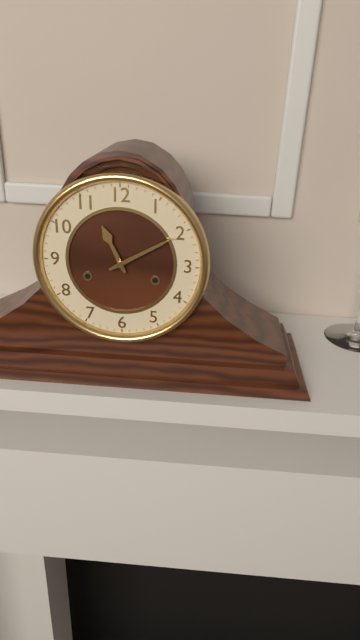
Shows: 11:10
